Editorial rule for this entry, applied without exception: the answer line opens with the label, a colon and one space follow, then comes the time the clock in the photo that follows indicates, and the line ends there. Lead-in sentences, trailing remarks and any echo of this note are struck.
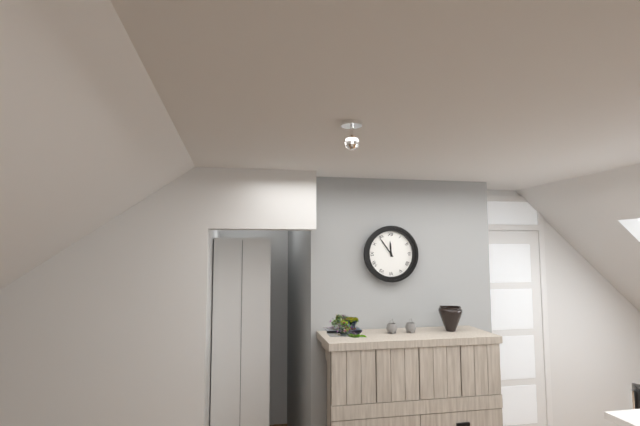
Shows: 11:54
